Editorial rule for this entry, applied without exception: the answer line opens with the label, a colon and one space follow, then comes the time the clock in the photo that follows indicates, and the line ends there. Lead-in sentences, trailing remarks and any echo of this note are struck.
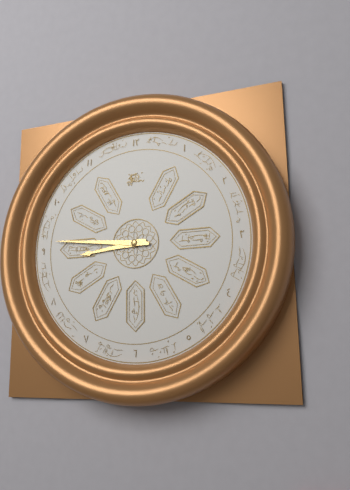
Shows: 8:46
